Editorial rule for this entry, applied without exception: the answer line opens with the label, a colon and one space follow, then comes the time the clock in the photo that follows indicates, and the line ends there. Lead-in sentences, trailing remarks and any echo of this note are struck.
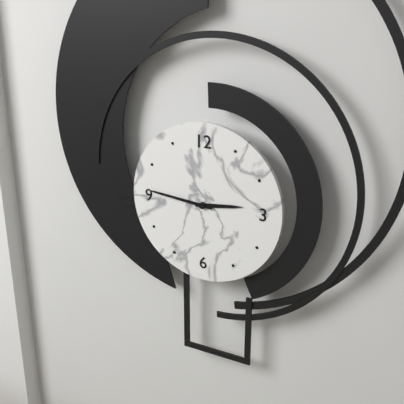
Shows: 2:46
